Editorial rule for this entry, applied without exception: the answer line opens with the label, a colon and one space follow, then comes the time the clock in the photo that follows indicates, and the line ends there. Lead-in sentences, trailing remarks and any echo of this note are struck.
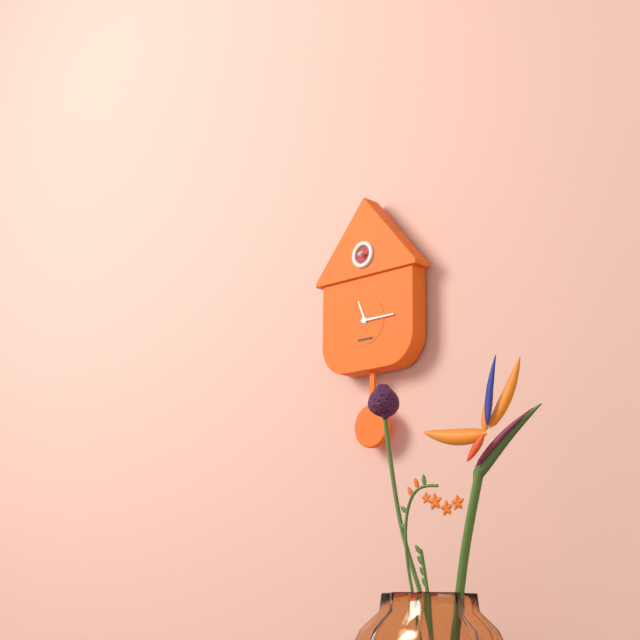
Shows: 11:15
